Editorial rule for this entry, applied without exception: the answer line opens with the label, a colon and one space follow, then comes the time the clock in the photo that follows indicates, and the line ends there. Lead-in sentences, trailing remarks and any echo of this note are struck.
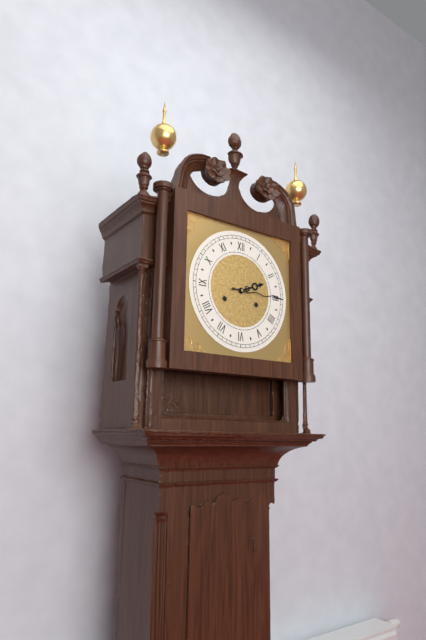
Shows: 2:15
